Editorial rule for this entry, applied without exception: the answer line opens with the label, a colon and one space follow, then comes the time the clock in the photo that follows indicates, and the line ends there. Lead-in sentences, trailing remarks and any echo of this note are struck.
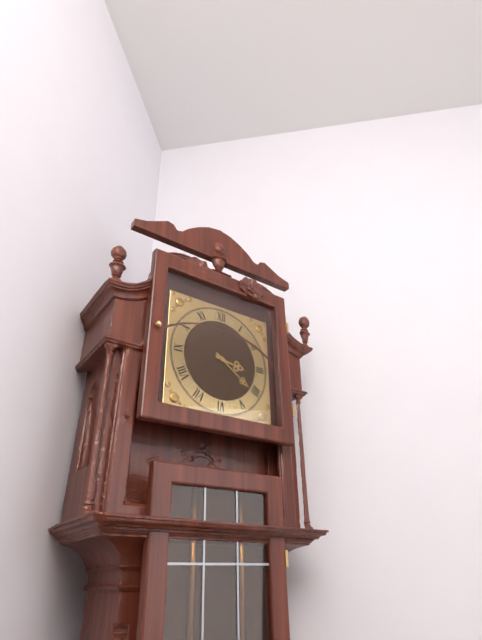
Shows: 3:21
